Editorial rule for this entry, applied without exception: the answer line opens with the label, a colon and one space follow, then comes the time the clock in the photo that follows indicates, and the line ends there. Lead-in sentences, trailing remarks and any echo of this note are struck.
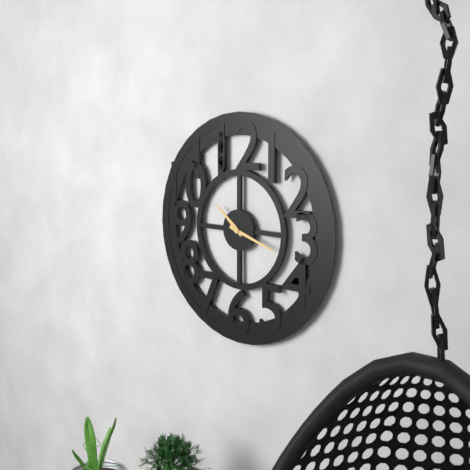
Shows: 10:18
